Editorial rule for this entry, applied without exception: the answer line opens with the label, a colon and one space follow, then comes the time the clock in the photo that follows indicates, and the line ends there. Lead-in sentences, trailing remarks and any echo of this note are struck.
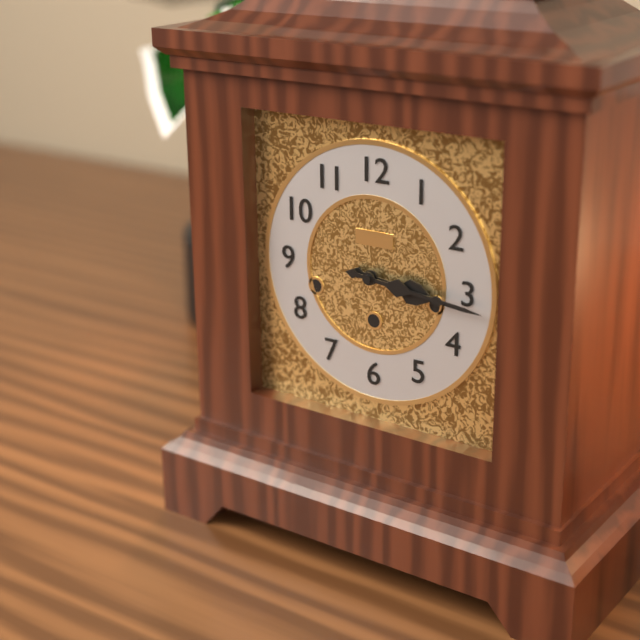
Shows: 3:16
